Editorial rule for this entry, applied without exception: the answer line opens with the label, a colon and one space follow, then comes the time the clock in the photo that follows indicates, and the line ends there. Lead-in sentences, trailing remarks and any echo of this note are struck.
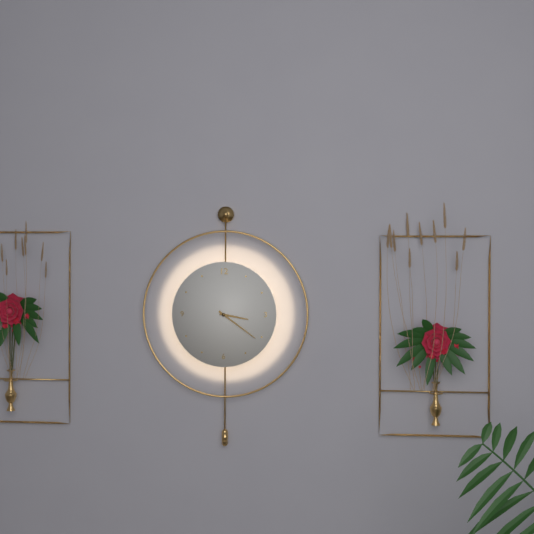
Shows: 3:21
